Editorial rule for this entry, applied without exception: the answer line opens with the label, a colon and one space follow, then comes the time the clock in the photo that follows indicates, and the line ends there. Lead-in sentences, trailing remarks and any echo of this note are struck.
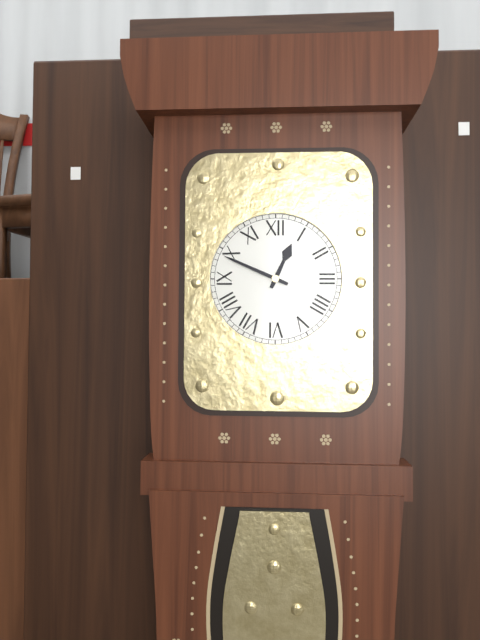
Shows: 12:49
